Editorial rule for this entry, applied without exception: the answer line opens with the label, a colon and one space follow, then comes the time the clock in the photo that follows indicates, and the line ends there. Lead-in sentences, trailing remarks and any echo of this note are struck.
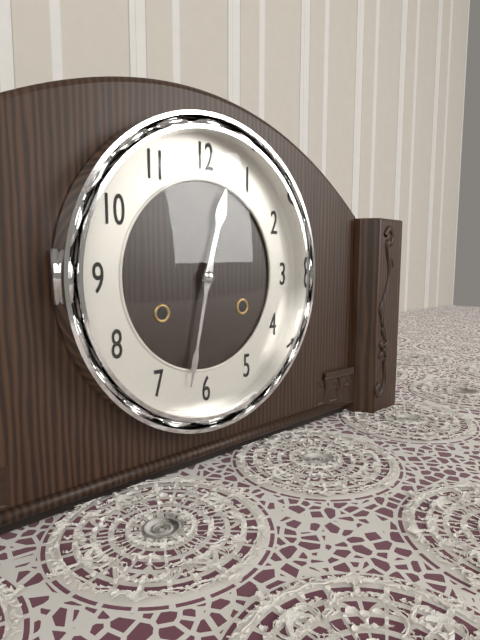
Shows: 12:32
